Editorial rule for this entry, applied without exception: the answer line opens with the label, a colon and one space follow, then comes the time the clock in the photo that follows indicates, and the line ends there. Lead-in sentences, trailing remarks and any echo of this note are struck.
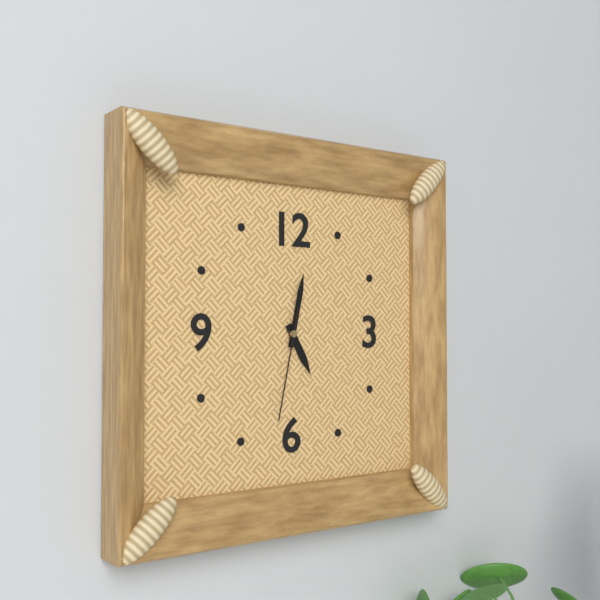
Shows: 5:02:32
